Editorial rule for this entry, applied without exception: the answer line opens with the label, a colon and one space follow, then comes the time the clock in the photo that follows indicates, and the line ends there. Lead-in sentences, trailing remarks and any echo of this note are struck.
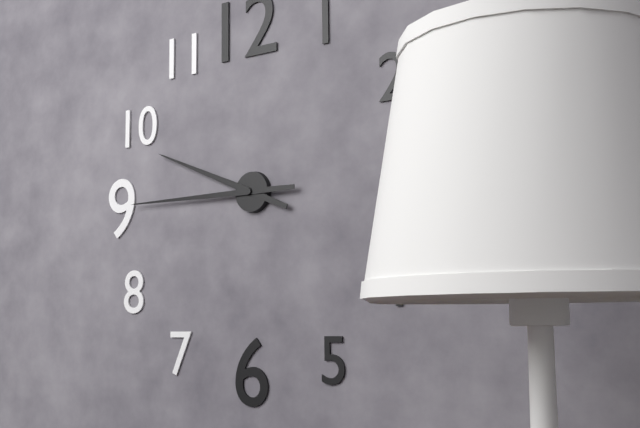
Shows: 9:45
